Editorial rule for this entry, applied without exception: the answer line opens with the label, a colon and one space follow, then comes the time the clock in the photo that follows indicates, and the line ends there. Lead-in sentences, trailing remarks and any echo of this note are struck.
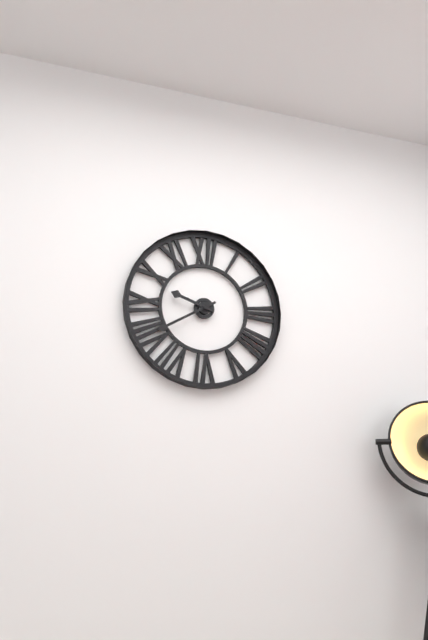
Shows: 9:40
